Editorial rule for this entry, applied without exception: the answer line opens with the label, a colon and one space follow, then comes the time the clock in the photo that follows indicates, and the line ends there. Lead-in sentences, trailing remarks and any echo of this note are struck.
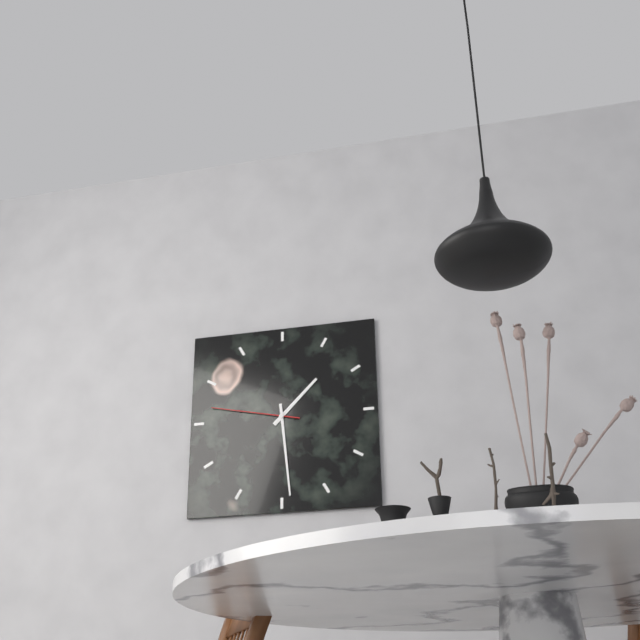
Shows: 1:29:47
